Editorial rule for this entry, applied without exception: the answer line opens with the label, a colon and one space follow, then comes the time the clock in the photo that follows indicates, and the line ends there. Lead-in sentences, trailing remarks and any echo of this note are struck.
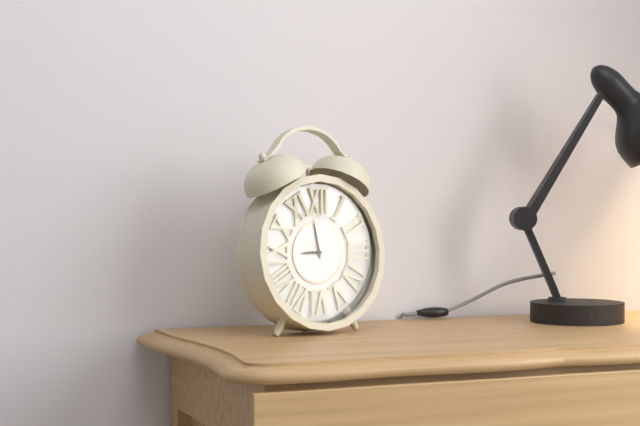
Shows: 8:58
